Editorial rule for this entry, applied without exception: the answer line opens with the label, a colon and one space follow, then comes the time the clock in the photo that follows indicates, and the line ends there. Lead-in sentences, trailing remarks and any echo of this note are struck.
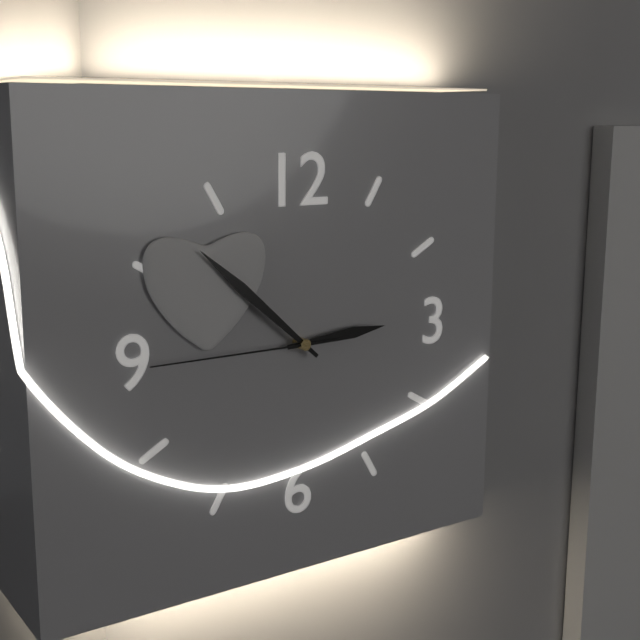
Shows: 2:52:45
